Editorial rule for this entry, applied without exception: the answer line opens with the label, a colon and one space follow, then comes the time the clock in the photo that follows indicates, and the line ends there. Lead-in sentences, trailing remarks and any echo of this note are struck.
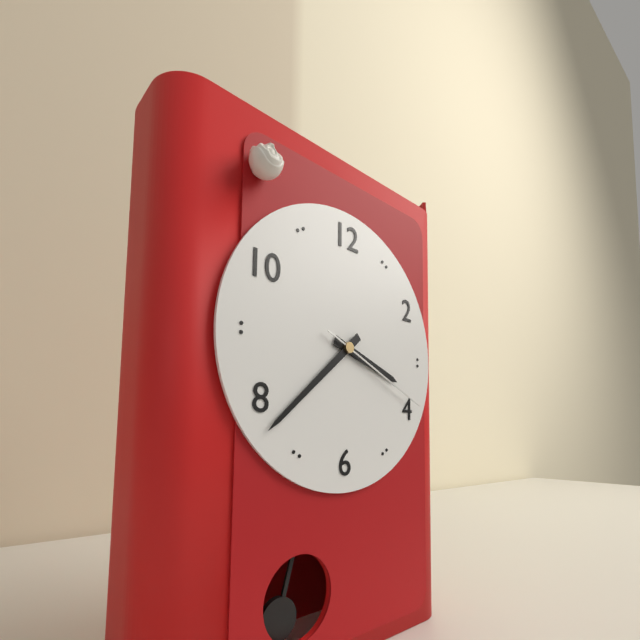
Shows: 3:38:19
